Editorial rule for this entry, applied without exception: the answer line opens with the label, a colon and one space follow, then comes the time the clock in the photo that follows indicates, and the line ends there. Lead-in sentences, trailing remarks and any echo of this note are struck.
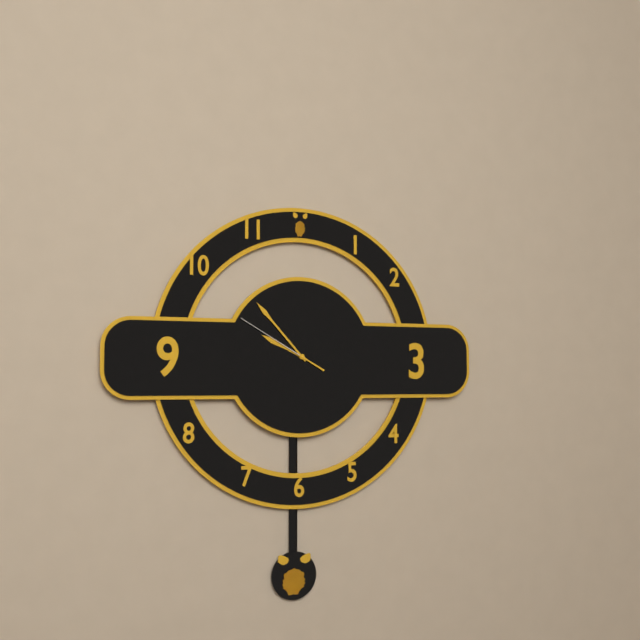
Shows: 9:53:50
